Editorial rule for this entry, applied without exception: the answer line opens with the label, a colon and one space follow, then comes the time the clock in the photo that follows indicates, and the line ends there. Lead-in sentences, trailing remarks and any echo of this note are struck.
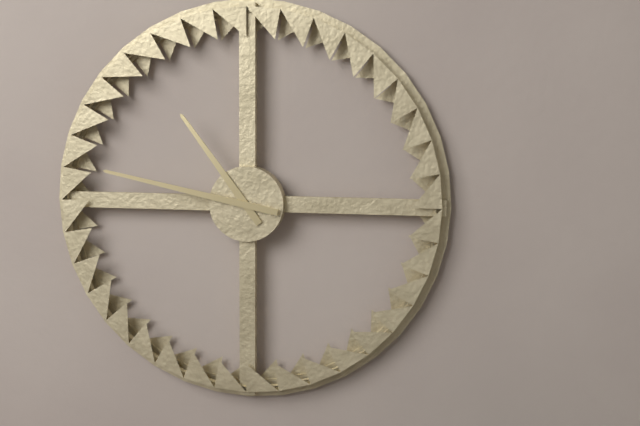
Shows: 10:47
